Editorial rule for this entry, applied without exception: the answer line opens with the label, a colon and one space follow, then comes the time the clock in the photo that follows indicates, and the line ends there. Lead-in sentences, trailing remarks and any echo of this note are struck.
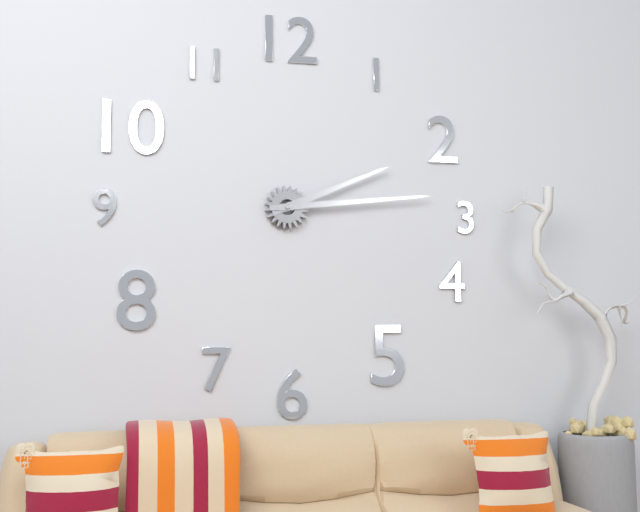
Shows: 2:14
